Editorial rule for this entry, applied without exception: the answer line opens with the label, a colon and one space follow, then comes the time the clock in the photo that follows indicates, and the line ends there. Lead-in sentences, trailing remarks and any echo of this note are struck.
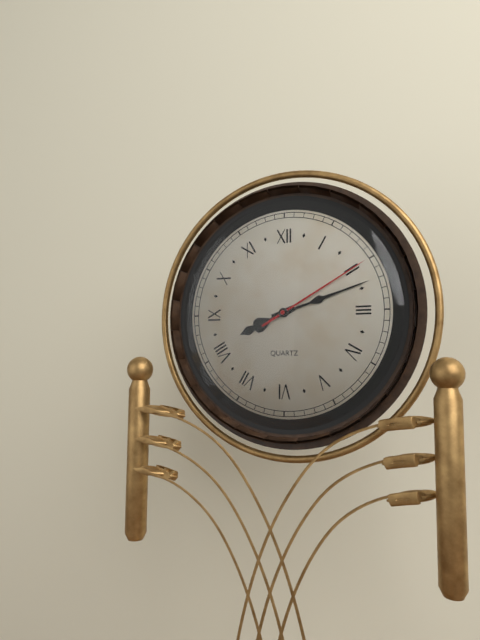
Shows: 8:12:10
